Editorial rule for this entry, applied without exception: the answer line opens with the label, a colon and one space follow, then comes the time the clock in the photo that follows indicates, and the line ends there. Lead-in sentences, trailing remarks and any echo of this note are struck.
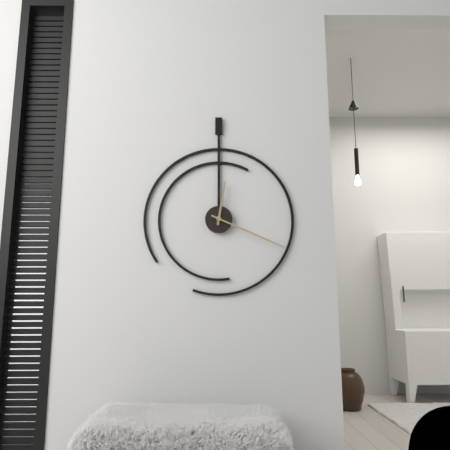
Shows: 12:19
